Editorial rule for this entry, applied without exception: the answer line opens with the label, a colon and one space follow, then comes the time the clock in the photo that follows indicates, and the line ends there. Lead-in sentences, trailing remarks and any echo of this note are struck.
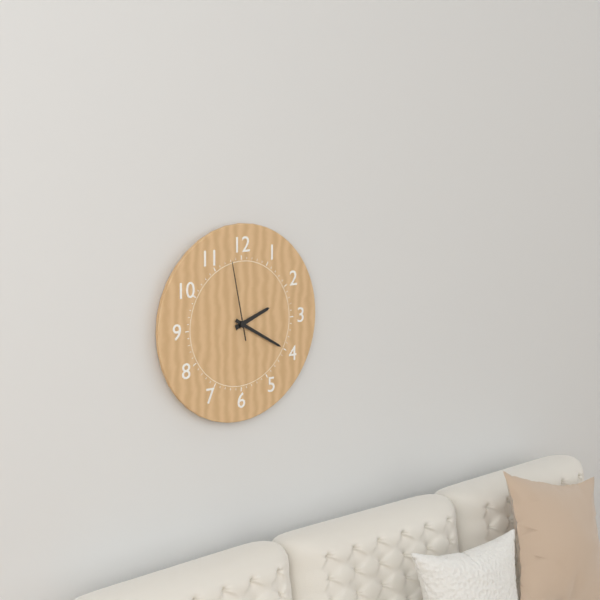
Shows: 2:20:58
